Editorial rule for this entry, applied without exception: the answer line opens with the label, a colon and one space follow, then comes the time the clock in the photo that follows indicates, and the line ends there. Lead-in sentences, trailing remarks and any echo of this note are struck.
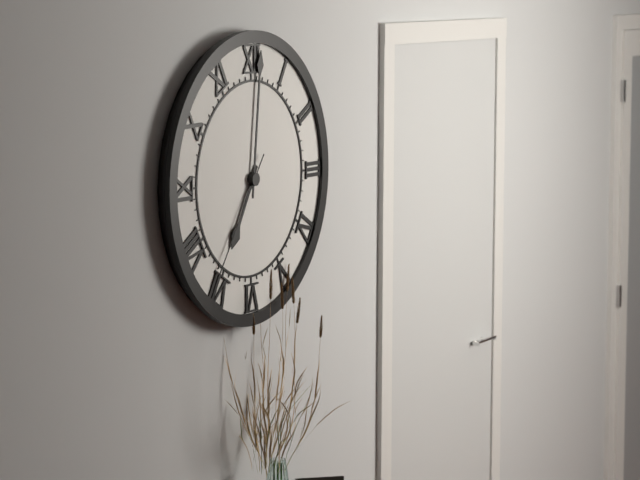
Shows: 7:01:36
